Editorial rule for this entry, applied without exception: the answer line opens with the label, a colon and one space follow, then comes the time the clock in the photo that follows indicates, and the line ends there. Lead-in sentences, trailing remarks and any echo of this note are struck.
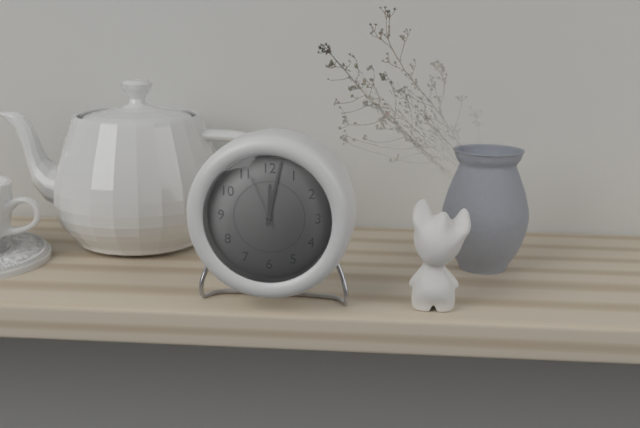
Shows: 12:02:56
